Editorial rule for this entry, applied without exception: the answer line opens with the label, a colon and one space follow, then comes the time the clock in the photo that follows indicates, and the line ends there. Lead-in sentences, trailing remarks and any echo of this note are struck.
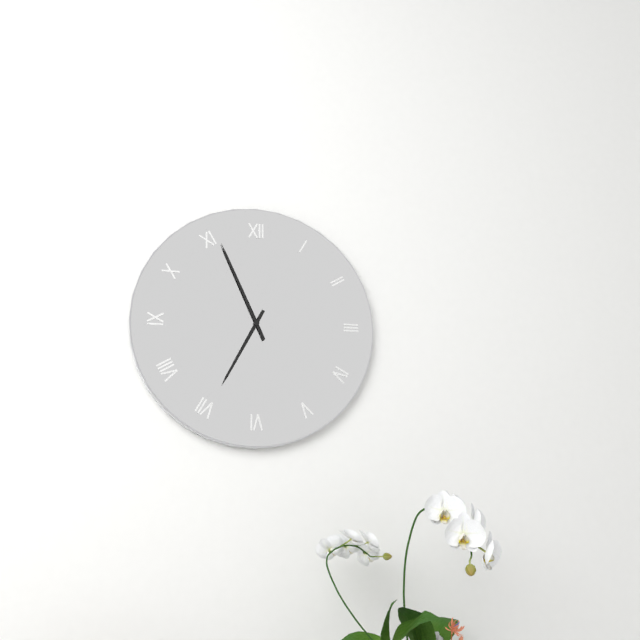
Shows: 6:56
